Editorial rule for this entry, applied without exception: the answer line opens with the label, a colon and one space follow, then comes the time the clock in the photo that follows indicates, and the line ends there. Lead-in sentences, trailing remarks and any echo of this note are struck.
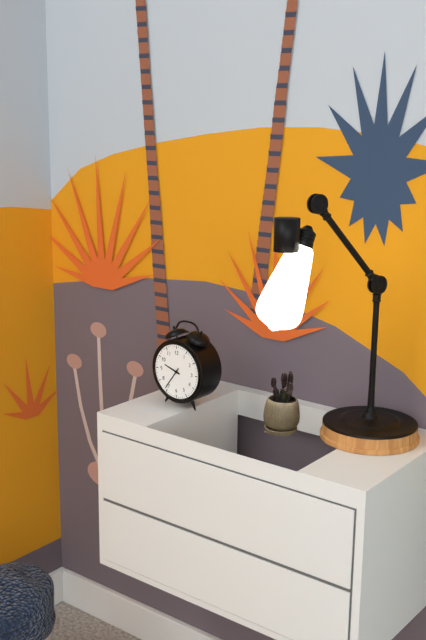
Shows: 9:36
